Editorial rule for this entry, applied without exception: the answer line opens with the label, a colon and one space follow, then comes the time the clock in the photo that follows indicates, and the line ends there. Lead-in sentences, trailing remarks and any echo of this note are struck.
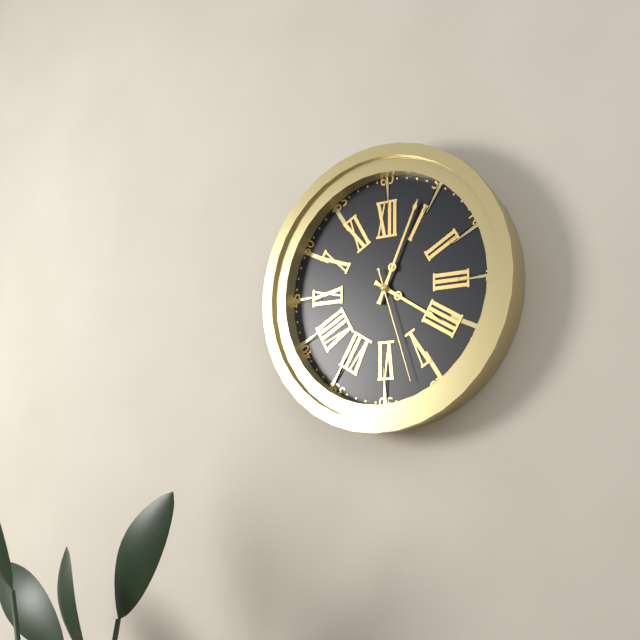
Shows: 4:04:27
